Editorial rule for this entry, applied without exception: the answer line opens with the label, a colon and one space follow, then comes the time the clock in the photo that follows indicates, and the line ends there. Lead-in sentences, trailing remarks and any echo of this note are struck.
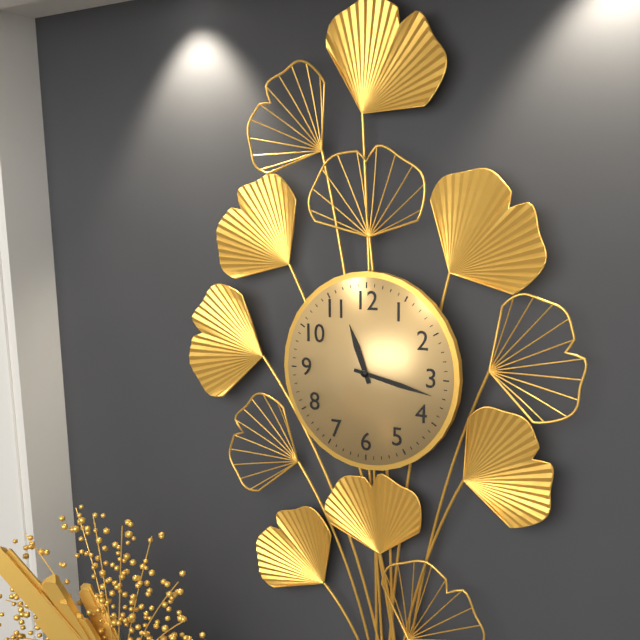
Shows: 11:17
